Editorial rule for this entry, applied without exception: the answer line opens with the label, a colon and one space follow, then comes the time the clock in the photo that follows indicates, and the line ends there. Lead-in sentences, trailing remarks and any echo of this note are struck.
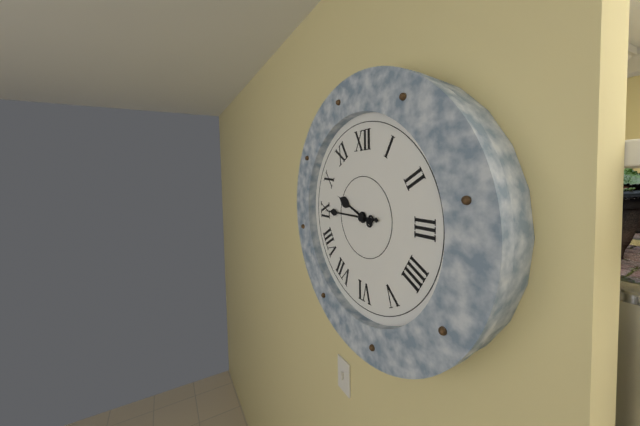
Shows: 9:45
